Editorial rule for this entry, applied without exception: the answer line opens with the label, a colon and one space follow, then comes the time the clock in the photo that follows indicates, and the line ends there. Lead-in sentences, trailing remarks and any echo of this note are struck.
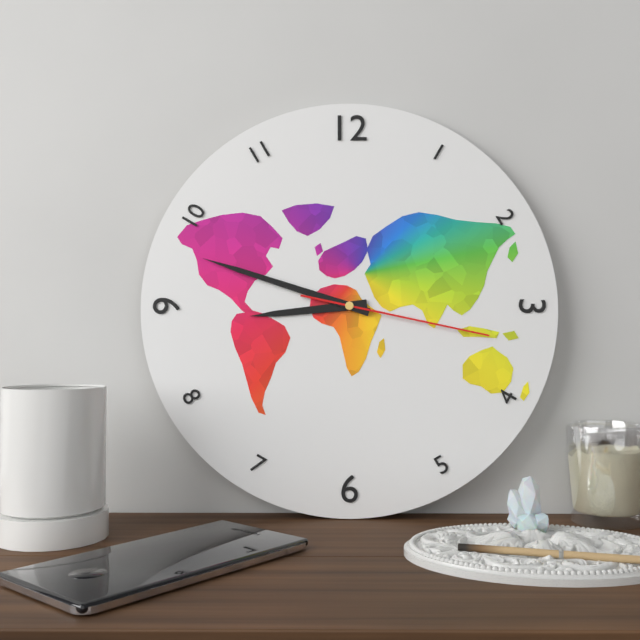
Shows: 8:48:17
